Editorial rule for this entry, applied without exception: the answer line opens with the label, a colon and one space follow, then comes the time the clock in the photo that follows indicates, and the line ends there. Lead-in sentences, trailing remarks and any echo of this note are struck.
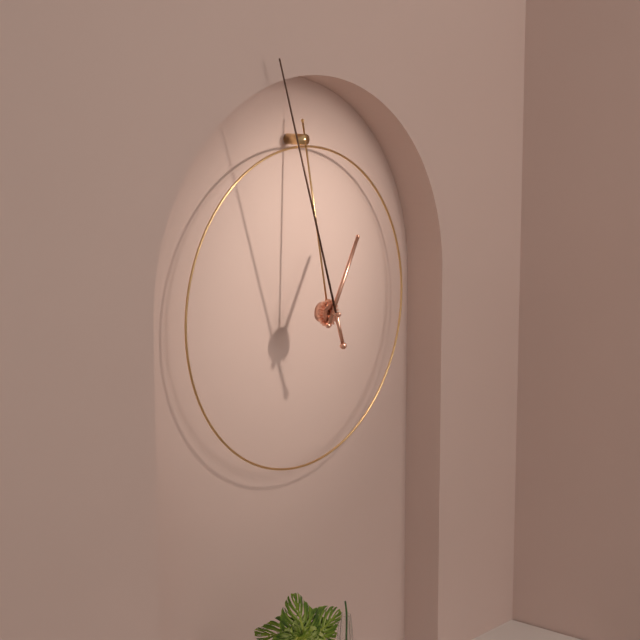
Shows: 12:57
